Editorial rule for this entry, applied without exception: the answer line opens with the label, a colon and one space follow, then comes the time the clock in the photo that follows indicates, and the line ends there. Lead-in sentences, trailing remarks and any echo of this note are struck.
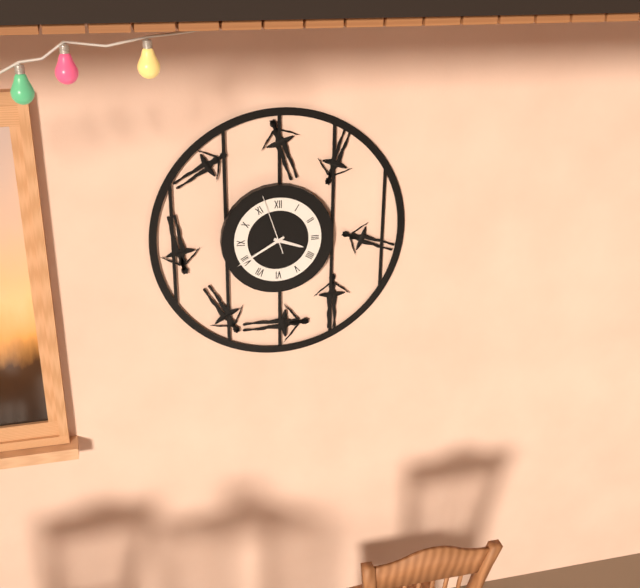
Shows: 3:40:57
